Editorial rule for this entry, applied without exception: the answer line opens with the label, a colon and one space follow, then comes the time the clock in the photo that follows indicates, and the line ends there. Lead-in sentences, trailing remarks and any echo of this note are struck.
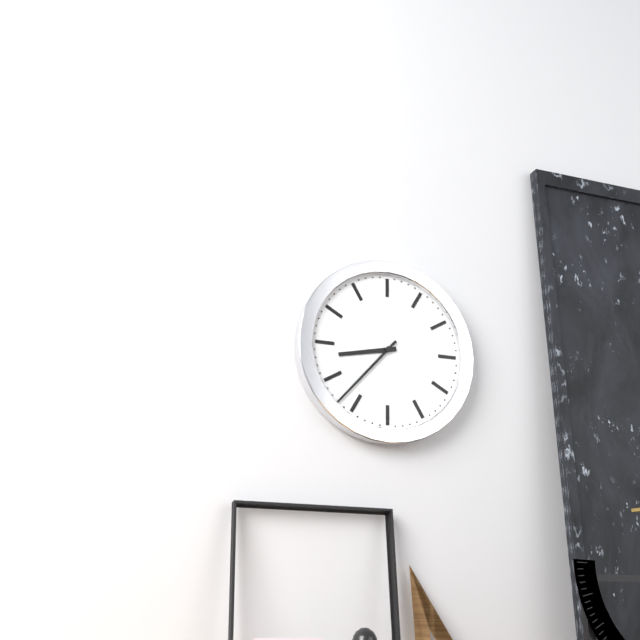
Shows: 8:37
